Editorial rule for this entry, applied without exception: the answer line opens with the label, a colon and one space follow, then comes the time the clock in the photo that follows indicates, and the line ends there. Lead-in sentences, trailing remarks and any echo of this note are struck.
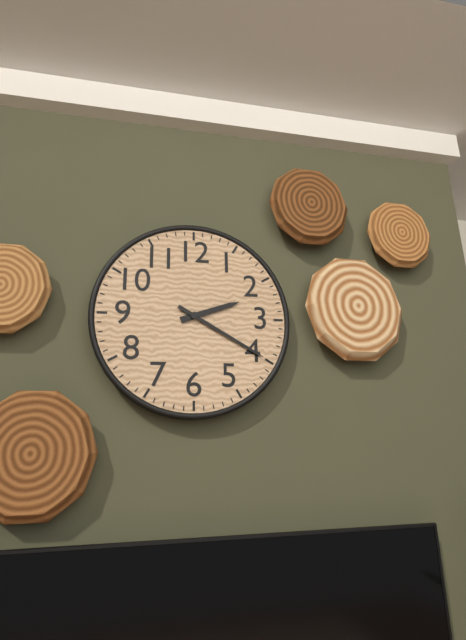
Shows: 2:20
